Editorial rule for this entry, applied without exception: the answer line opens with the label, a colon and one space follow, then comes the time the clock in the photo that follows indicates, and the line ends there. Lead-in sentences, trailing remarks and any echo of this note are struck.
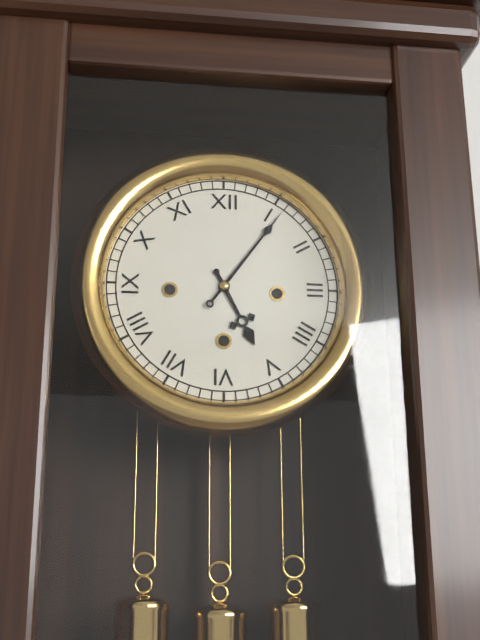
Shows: 5:06
